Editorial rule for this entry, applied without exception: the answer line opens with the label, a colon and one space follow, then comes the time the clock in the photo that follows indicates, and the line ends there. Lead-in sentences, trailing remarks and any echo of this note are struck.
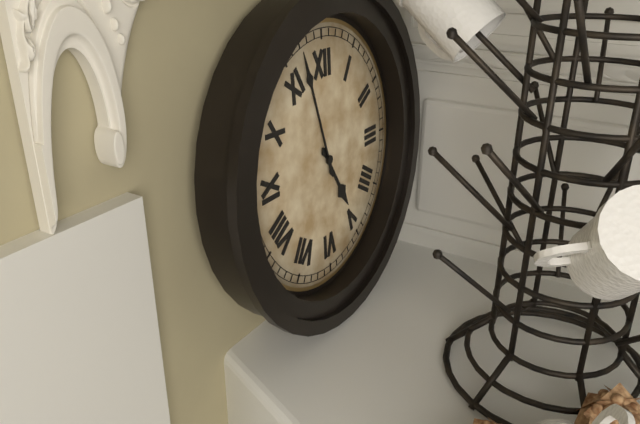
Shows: 4:57
